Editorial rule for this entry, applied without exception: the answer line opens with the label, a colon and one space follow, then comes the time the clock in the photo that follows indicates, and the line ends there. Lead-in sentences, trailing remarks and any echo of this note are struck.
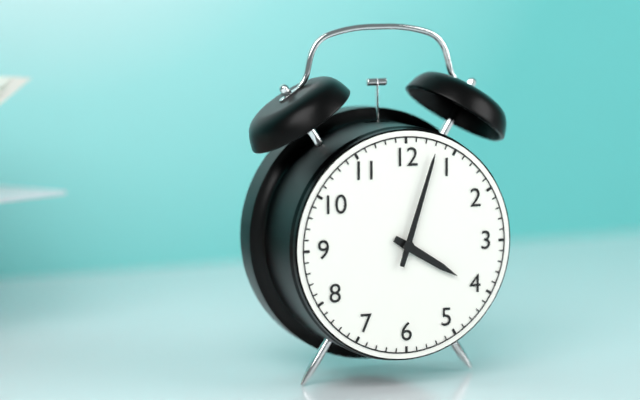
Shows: 4:03
